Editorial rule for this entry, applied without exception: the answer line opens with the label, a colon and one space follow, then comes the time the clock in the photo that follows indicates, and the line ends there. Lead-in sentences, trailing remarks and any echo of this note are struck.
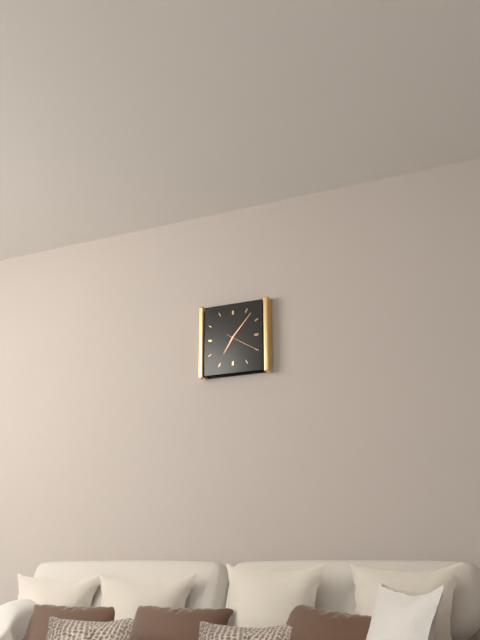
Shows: 7:07
